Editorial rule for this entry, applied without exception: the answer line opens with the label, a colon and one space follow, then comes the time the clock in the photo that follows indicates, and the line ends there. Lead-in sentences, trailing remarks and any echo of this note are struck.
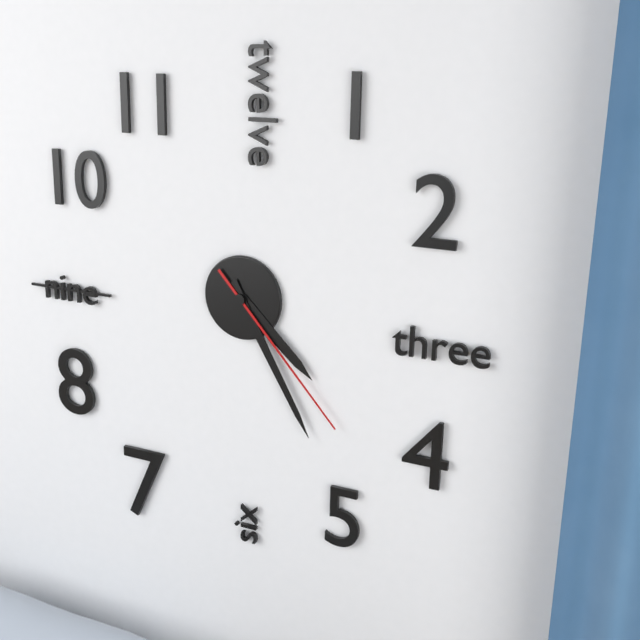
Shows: 4:25:23
